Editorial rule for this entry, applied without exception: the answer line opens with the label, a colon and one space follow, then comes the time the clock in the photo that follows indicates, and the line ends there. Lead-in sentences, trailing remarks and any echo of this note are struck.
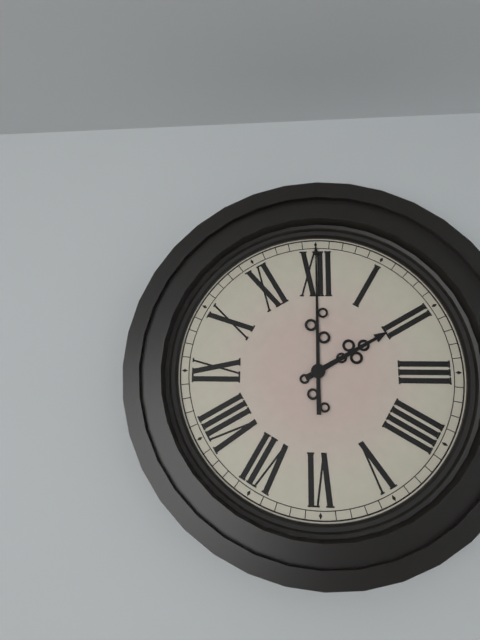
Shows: 2:00
